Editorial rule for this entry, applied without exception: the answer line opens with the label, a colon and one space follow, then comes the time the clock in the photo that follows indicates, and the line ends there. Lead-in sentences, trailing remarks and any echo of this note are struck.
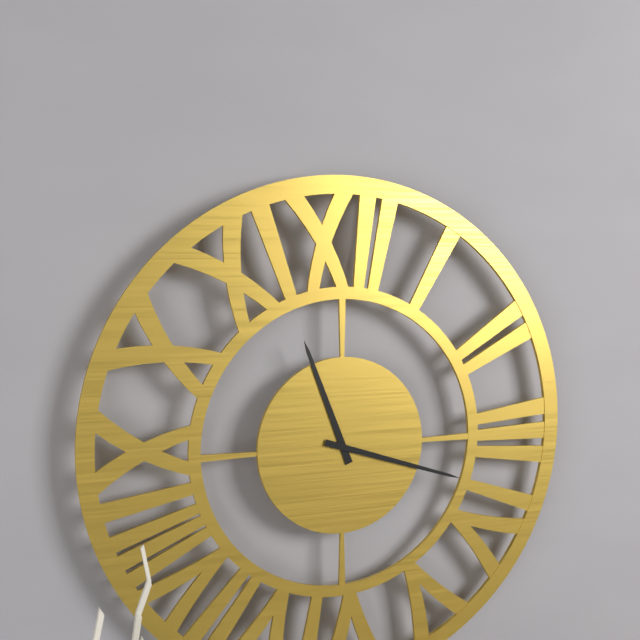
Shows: 11:18
